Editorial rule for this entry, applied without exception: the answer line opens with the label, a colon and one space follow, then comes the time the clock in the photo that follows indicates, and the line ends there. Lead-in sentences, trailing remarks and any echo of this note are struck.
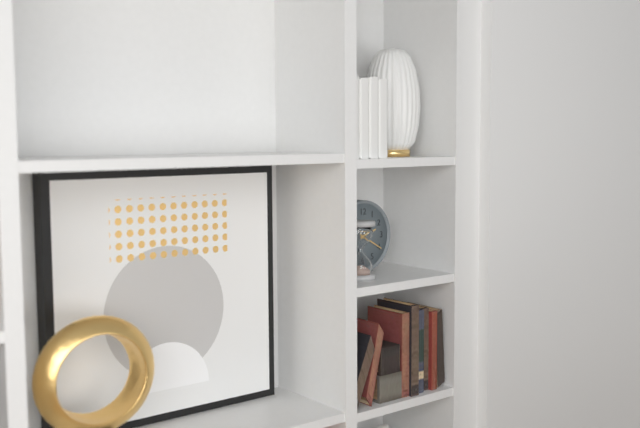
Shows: 2:20
